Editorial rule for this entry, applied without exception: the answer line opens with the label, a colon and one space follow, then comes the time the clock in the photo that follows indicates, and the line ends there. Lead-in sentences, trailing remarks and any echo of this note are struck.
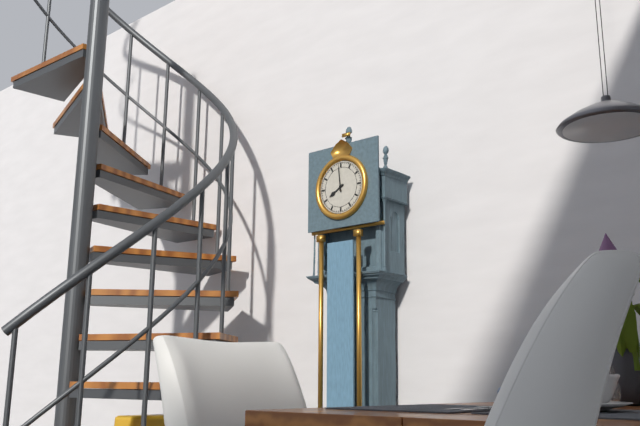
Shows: 7:59
